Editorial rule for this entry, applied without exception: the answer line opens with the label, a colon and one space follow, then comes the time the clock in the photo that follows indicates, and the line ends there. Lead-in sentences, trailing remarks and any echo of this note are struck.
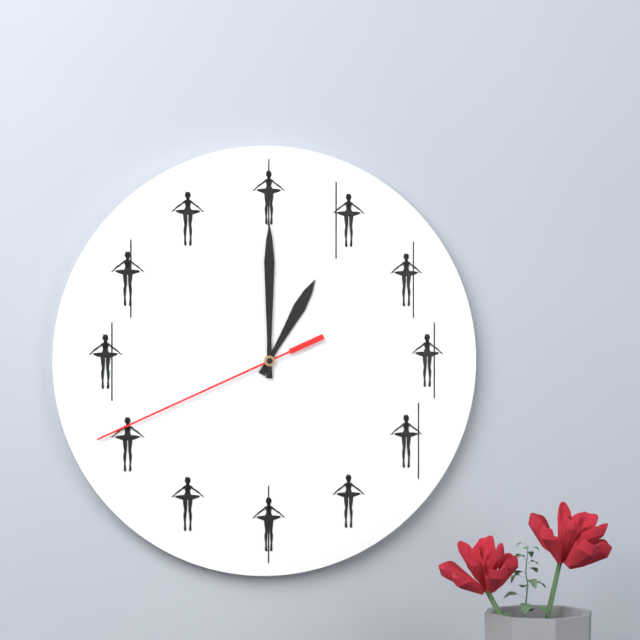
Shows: 1:00:41
